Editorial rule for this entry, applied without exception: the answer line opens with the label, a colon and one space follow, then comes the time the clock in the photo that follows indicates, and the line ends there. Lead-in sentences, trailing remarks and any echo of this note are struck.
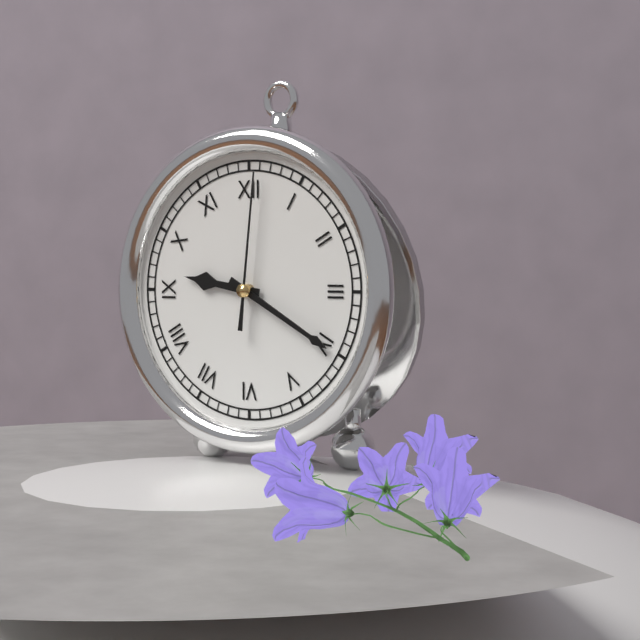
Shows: 9:20:01
